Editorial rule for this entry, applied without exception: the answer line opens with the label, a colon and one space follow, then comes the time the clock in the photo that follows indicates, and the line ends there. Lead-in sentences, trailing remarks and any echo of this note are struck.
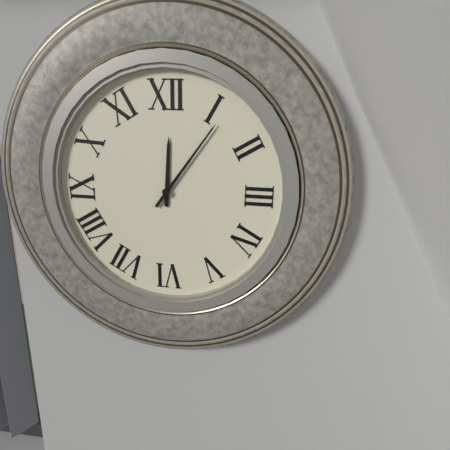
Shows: 12:06
